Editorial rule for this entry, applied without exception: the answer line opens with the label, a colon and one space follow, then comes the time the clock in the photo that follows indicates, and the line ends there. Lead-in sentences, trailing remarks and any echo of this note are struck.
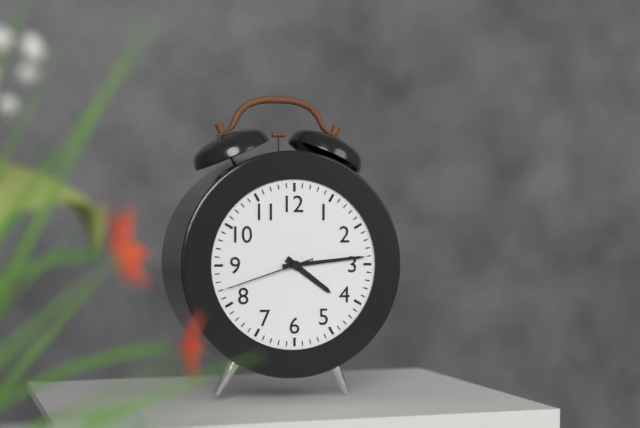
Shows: 4:14:42
